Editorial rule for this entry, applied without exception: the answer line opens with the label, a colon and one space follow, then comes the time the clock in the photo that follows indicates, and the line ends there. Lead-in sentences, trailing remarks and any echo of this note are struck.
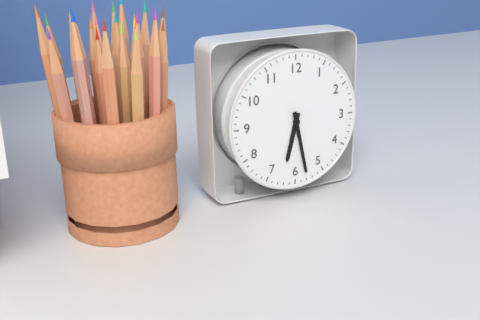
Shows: 6:28
